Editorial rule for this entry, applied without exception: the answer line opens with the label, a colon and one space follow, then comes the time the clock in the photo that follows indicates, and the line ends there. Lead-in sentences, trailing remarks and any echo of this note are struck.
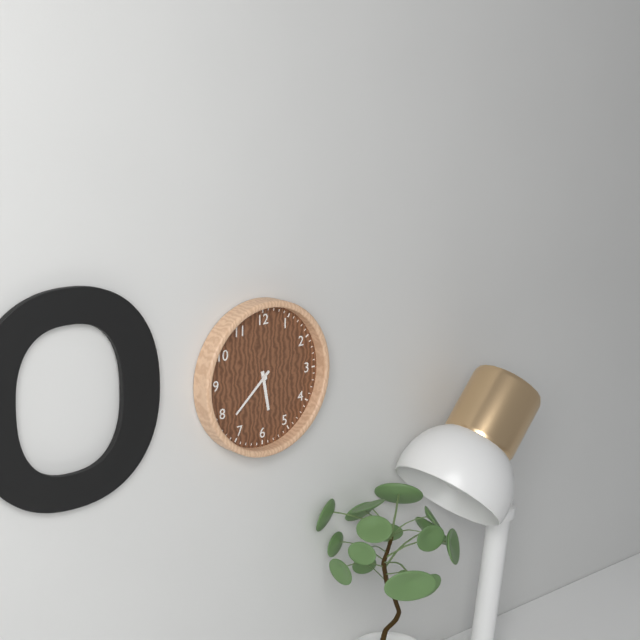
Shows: 5:38
